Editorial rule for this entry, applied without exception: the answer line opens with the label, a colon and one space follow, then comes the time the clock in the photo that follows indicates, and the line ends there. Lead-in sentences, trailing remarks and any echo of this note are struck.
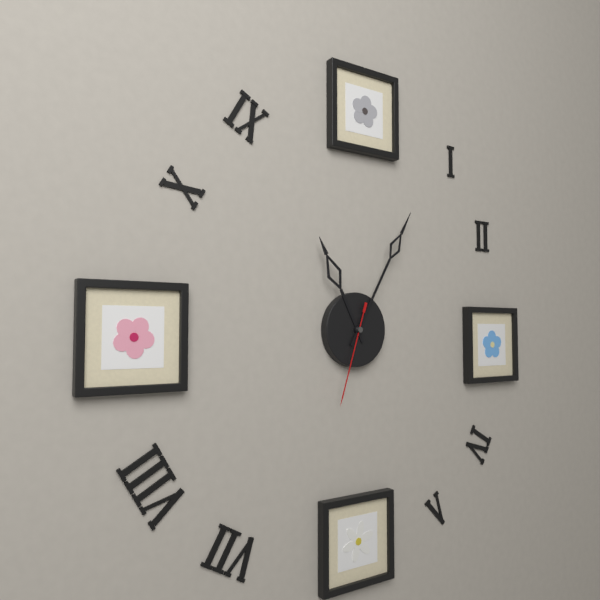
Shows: 11:05:33
